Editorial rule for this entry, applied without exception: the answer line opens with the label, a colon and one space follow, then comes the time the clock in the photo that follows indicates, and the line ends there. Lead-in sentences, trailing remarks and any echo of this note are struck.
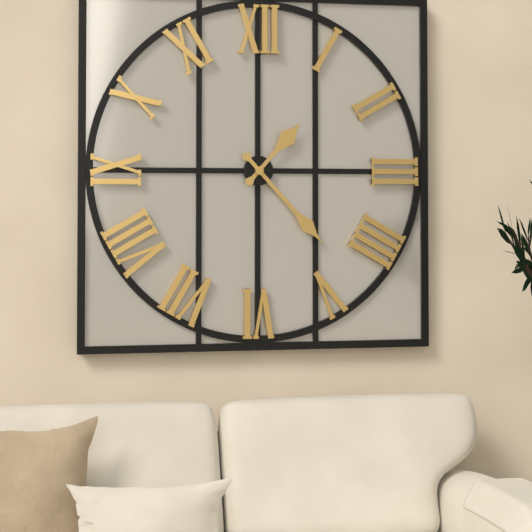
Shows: 1:23
